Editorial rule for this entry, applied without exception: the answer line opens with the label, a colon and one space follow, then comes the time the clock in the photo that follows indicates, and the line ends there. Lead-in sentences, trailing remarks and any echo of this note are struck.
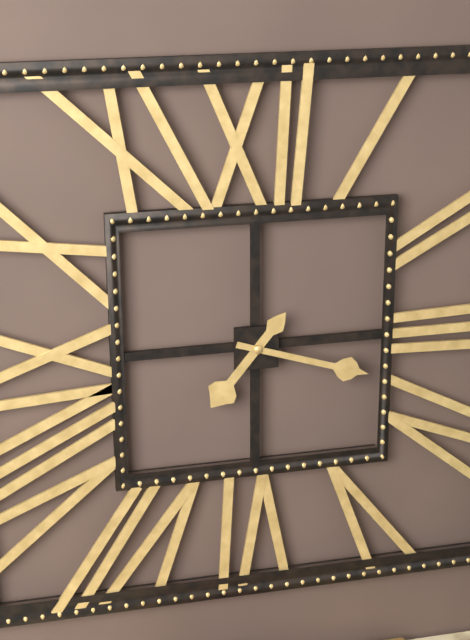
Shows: 7:18
